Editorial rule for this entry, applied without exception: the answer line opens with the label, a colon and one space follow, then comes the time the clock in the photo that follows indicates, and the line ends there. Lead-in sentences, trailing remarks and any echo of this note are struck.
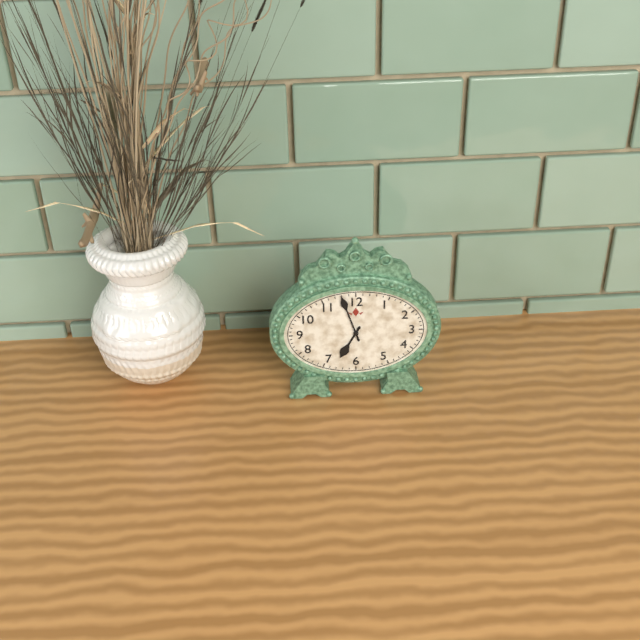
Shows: 6:57
